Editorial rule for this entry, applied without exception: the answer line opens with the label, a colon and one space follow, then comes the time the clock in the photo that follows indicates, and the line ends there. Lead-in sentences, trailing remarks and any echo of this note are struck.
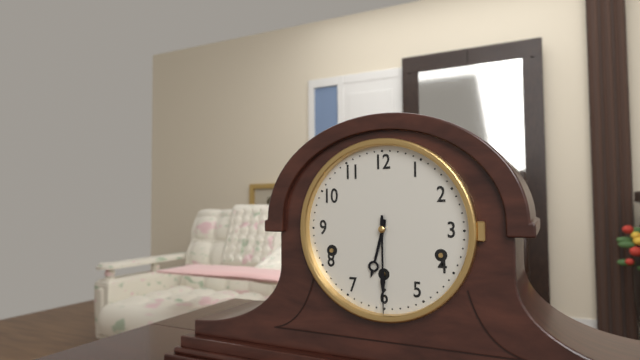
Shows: 6:30
